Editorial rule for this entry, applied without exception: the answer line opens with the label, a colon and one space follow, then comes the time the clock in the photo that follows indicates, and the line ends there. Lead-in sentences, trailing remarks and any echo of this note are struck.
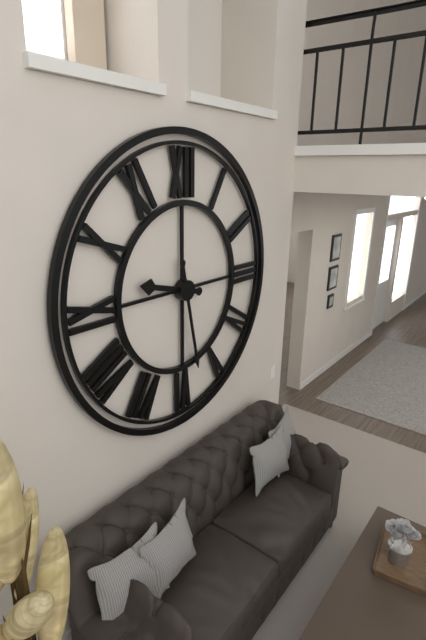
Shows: 9:28
